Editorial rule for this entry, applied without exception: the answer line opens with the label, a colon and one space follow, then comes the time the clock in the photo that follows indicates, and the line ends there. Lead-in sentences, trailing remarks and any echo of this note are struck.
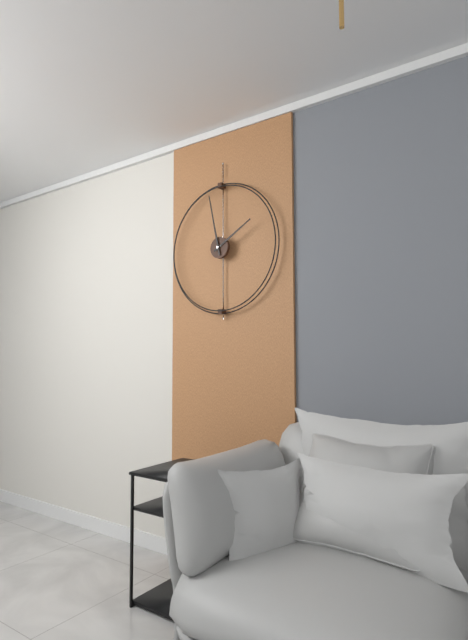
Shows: 1:58
